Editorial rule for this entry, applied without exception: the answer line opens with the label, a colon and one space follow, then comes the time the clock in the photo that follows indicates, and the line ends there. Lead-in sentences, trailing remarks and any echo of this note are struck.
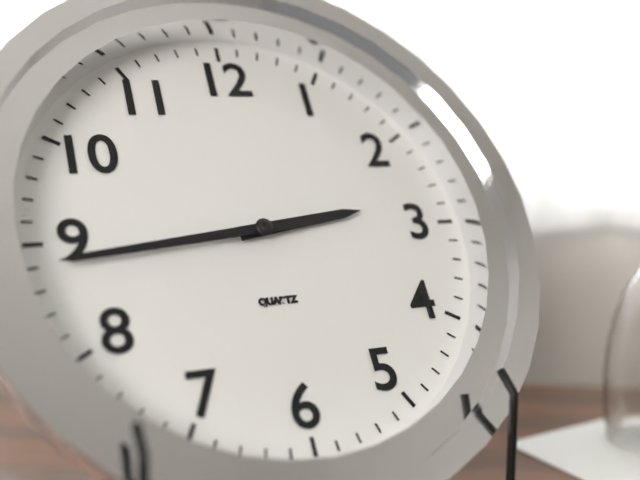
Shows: 2:44
